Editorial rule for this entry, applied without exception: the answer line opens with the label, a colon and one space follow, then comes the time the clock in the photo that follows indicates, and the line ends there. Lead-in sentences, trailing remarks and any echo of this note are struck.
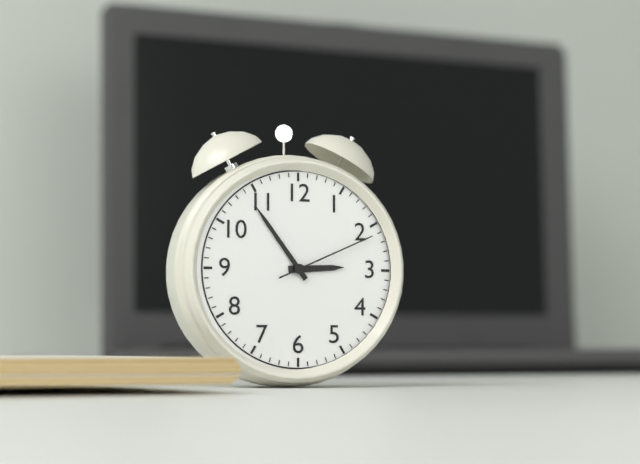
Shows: 2:54:11
